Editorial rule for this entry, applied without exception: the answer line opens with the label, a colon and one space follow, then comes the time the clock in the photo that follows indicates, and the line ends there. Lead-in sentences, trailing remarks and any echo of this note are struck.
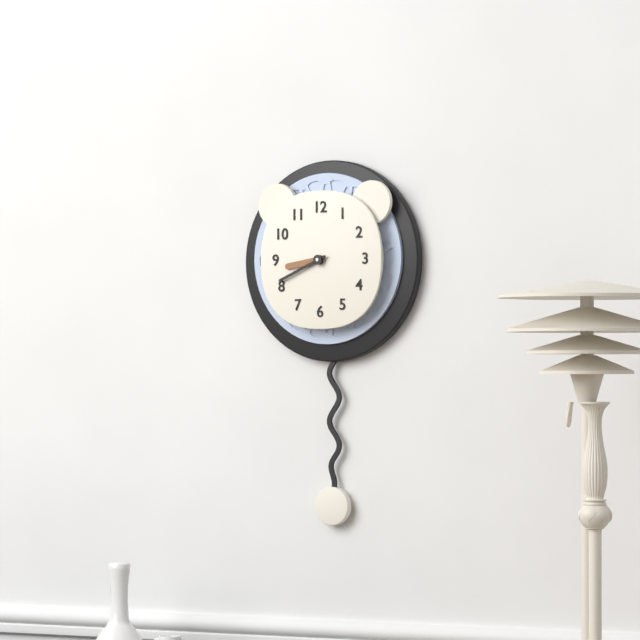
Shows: 8:41
